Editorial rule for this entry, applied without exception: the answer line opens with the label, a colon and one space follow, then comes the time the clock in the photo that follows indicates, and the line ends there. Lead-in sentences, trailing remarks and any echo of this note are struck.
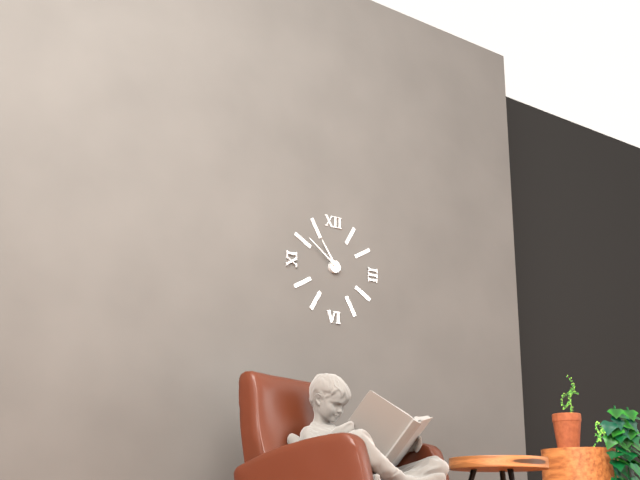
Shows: 10:51
